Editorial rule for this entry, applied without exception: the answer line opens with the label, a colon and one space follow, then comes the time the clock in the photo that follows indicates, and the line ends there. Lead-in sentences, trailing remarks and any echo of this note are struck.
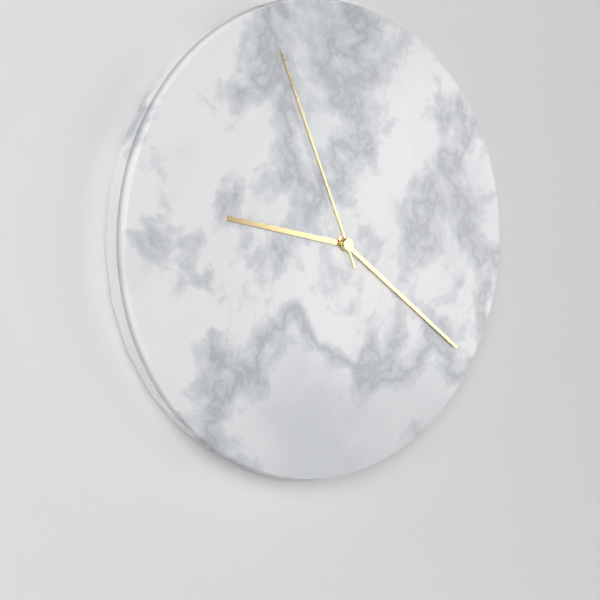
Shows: 9:21:56
